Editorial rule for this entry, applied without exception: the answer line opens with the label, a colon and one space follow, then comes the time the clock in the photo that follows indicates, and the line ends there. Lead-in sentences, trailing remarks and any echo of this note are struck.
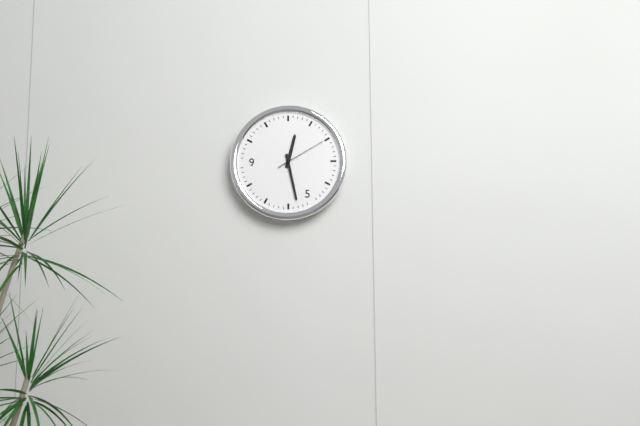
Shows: 12:28:10
